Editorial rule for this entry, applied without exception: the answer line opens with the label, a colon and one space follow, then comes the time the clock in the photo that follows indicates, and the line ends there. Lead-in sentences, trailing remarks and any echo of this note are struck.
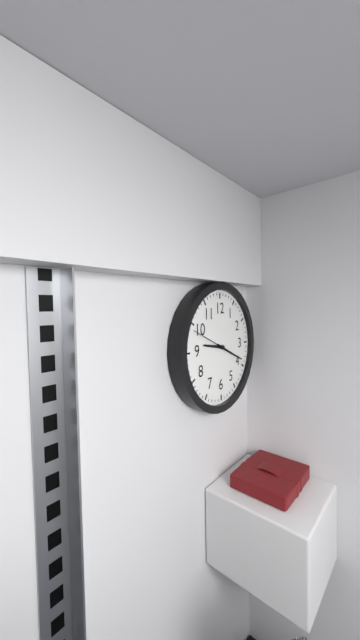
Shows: 9:19
